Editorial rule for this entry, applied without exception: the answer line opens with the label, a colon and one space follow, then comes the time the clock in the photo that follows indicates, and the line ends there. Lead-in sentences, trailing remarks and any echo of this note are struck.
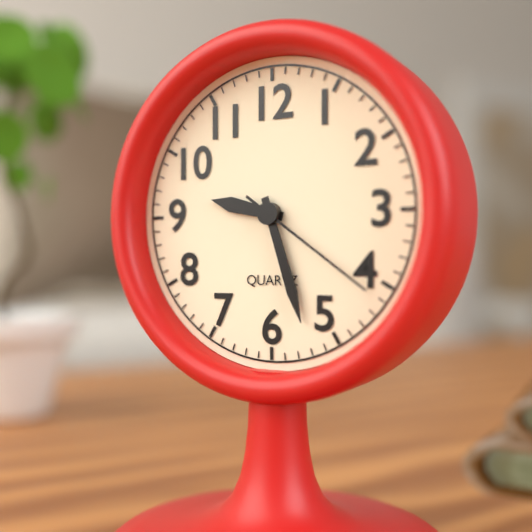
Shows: 9:27:21
